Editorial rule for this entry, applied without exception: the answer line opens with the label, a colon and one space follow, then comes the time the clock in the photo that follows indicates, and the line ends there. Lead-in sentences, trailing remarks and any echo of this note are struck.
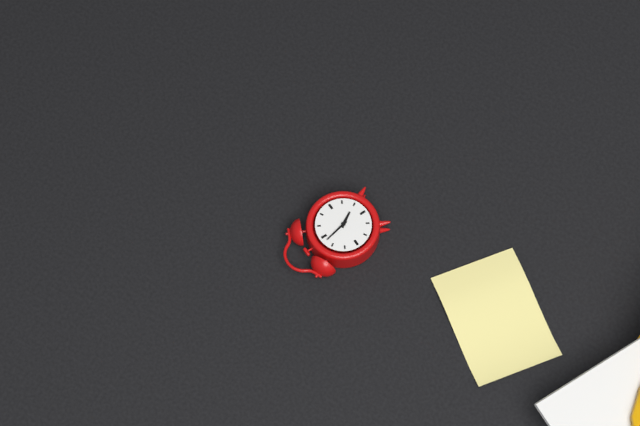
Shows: 4:58
